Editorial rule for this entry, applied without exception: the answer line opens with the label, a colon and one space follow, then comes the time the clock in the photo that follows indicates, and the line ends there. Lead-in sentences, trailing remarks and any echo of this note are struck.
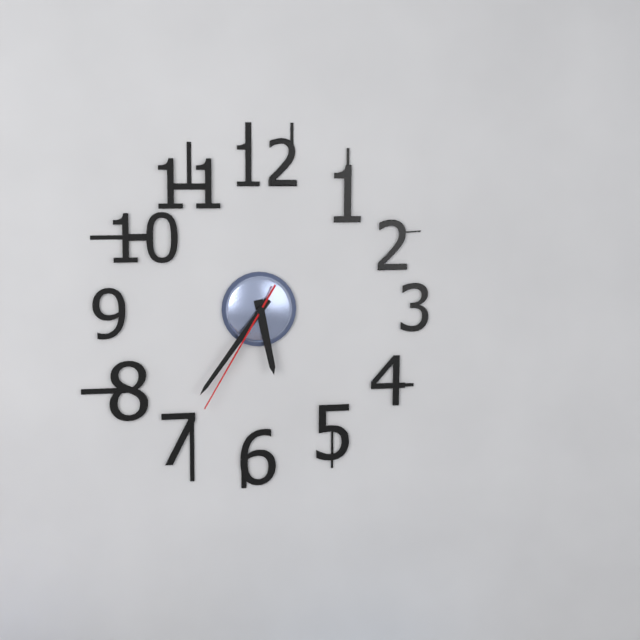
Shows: 5:36:35
